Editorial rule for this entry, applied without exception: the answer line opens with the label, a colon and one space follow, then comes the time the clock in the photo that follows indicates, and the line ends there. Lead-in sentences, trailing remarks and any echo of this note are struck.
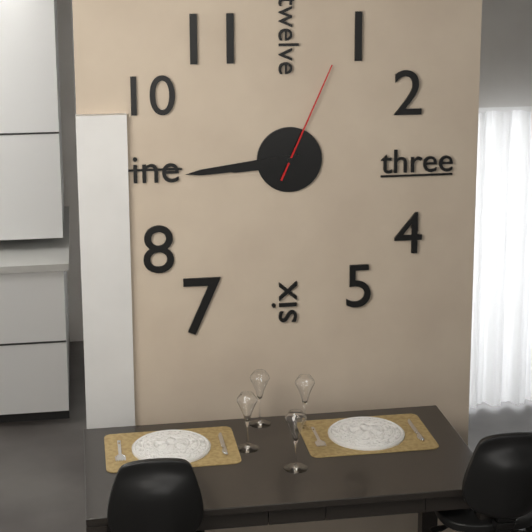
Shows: 8:44:04
